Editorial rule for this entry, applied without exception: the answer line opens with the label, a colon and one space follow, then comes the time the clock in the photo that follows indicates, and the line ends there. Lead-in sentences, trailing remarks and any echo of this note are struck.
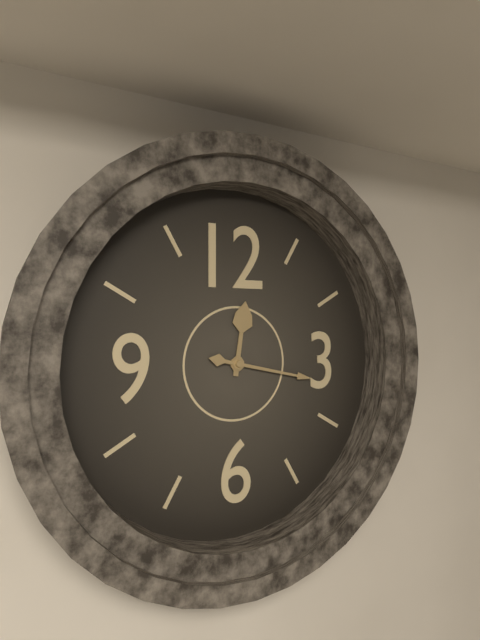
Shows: 12:17
